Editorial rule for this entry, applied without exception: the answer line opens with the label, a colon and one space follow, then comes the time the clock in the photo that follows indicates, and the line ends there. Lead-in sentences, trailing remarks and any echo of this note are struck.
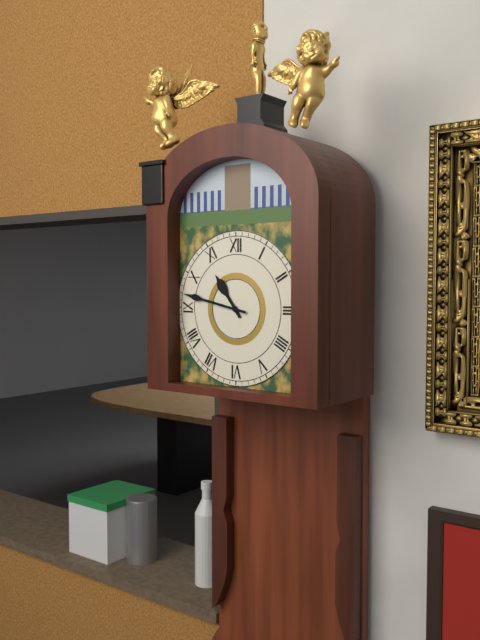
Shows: 10:47
